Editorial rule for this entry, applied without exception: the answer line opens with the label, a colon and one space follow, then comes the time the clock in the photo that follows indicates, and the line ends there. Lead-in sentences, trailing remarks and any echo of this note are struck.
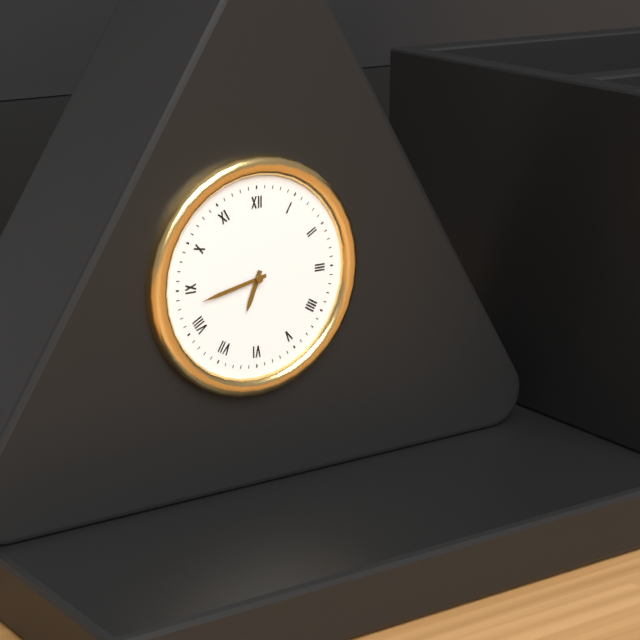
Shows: 6:43
